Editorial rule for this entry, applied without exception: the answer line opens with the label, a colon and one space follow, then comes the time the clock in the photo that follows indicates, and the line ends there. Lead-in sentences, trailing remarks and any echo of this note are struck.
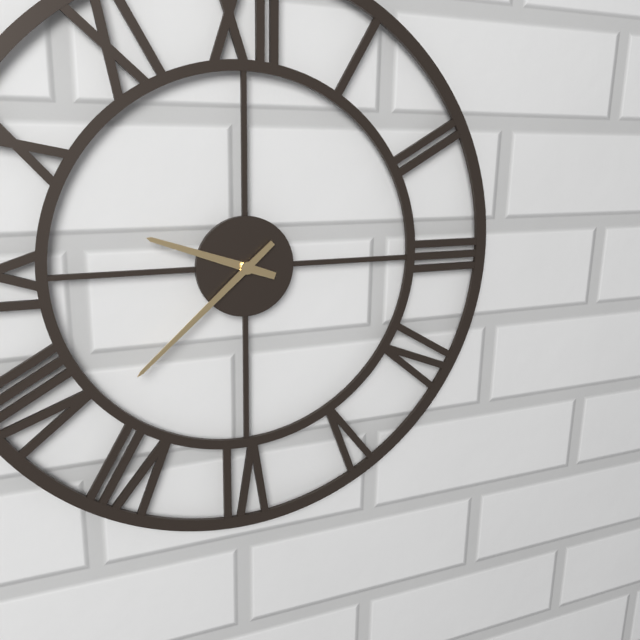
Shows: 9:38
